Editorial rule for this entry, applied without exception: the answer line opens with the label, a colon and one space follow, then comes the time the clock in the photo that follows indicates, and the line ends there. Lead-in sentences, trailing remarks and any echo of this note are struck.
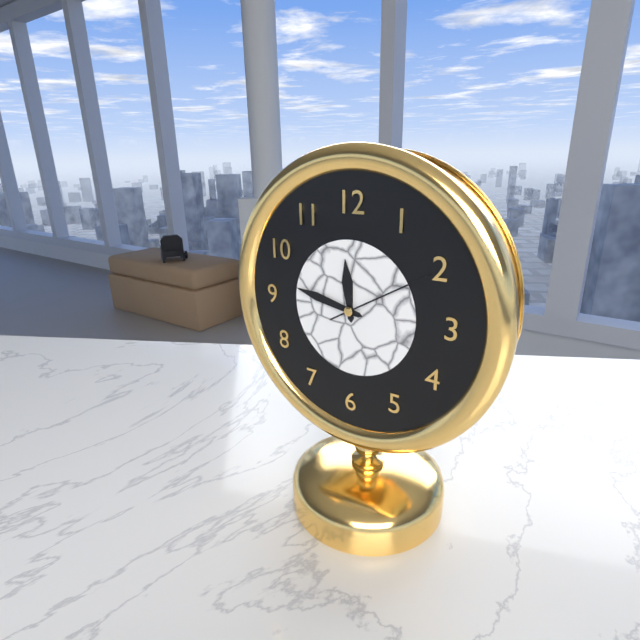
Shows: 11:47:10
